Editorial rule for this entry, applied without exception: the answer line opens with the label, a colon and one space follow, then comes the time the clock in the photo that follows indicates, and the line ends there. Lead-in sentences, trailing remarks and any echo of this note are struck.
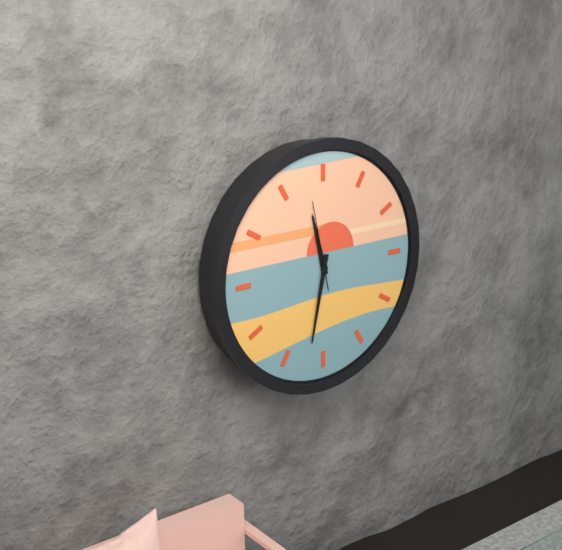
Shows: 11:32:58
